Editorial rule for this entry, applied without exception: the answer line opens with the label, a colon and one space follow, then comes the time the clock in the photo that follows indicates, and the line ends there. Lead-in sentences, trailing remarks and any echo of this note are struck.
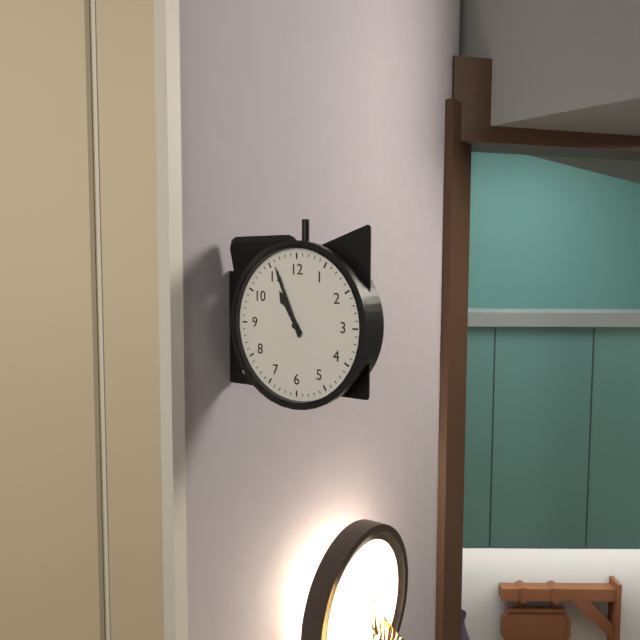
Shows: 10:56
